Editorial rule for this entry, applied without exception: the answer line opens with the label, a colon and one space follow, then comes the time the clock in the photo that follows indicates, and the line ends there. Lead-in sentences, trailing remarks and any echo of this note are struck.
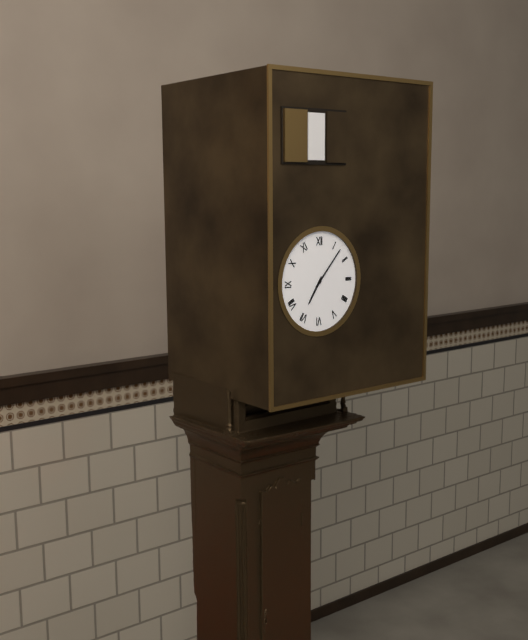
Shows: 7:07
